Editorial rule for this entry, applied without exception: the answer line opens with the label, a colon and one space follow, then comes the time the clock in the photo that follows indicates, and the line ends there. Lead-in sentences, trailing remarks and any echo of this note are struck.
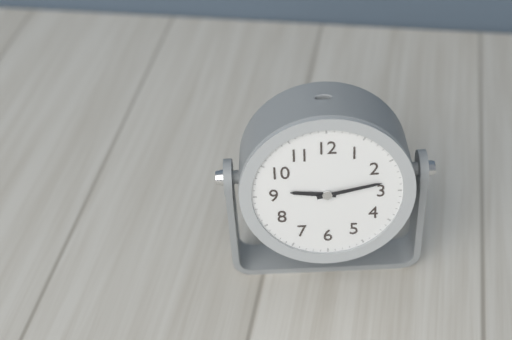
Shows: 9:13
